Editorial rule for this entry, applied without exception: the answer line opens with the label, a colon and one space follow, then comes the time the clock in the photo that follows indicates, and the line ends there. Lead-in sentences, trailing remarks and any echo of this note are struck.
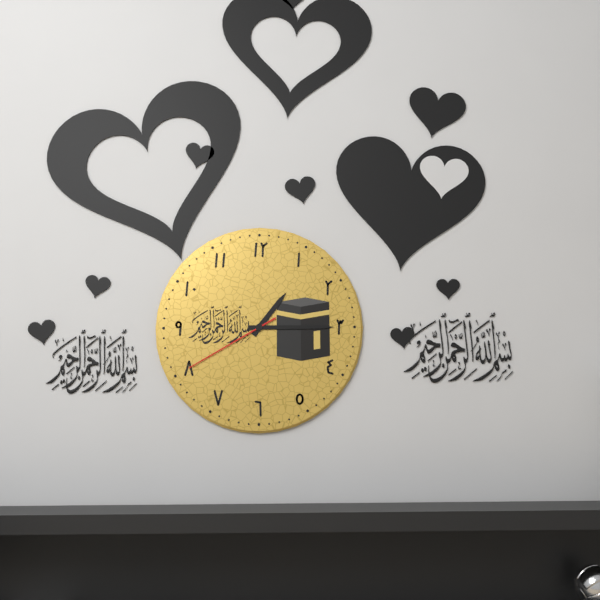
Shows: 1:15:40
